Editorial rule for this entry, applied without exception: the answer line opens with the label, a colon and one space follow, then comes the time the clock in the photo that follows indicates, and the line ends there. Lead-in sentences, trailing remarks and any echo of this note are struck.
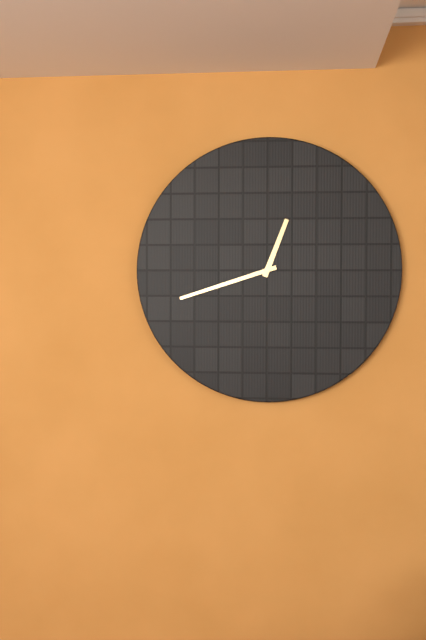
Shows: 12:42
